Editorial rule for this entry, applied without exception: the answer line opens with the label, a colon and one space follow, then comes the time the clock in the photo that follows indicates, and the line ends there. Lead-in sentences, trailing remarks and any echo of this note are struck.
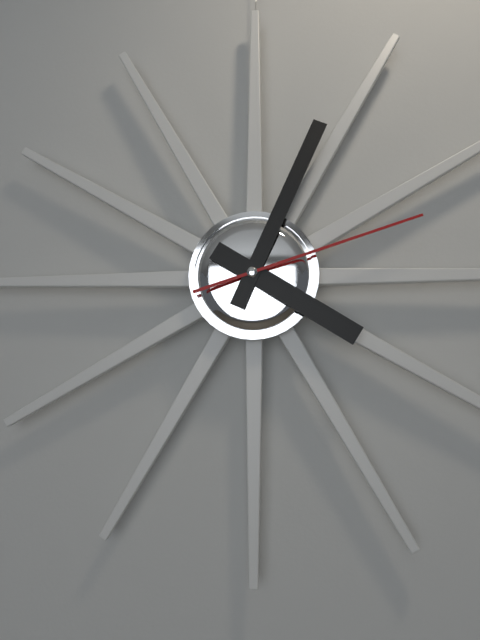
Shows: 4:04:12
